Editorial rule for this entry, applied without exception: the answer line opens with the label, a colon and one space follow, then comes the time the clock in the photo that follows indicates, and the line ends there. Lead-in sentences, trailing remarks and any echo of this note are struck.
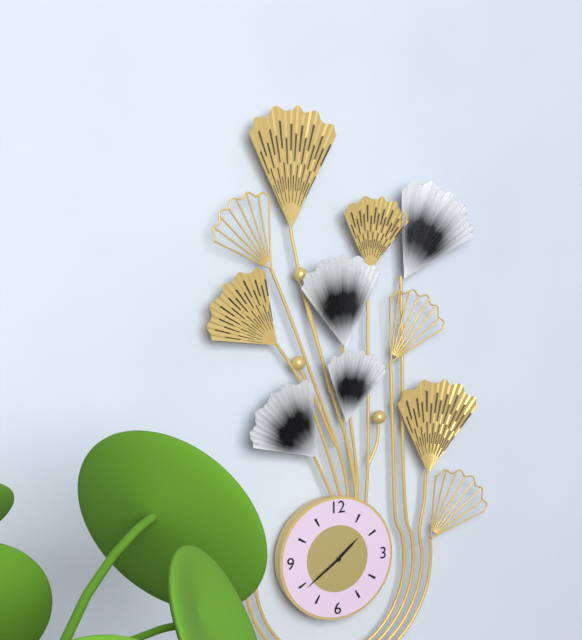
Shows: 1:39
